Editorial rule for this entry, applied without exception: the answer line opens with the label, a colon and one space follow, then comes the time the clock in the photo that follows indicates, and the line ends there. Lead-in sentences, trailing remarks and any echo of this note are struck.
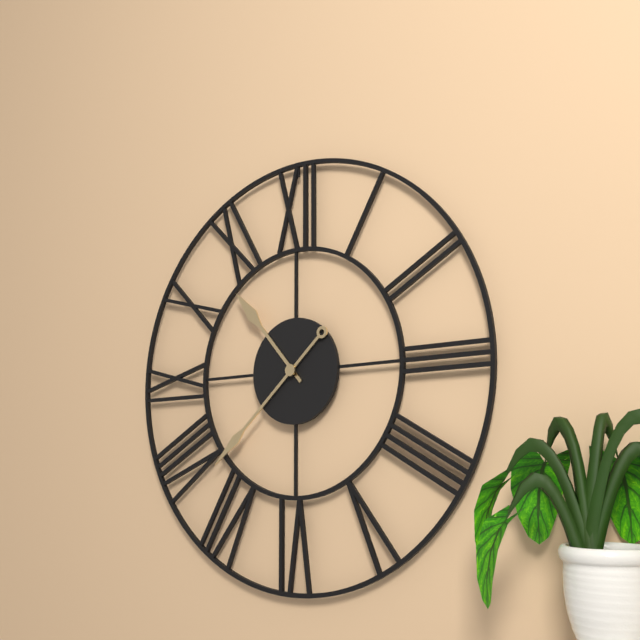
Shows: 10:38
